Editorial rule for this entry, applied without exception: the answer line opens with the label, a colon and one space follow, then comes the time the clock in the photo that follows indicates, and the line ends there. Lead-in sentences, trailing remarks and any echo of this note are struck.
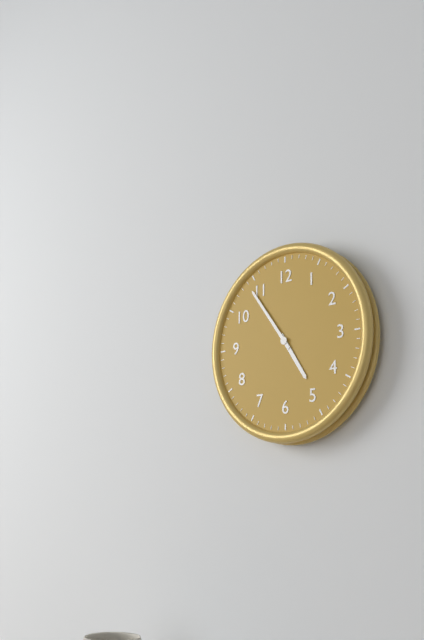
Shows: 4:54
